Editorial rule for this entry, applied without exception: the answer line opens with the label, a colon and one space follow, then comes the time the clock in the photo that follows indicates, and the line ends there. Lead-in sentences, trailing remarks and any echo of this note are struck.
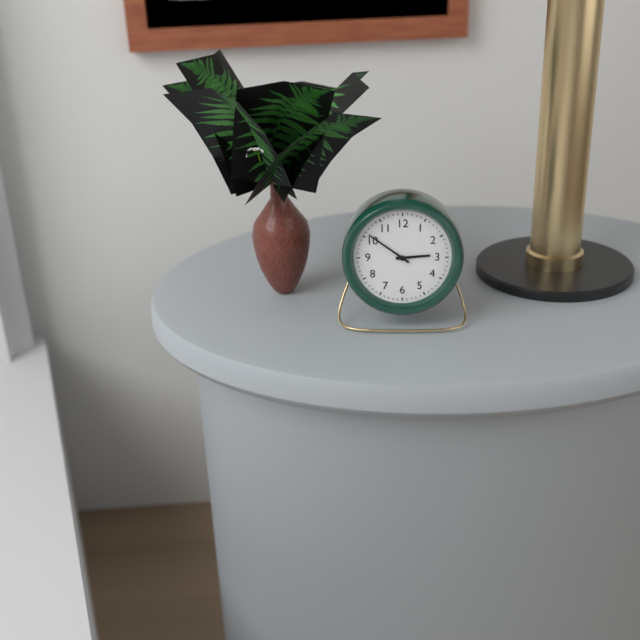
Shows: 2:51
